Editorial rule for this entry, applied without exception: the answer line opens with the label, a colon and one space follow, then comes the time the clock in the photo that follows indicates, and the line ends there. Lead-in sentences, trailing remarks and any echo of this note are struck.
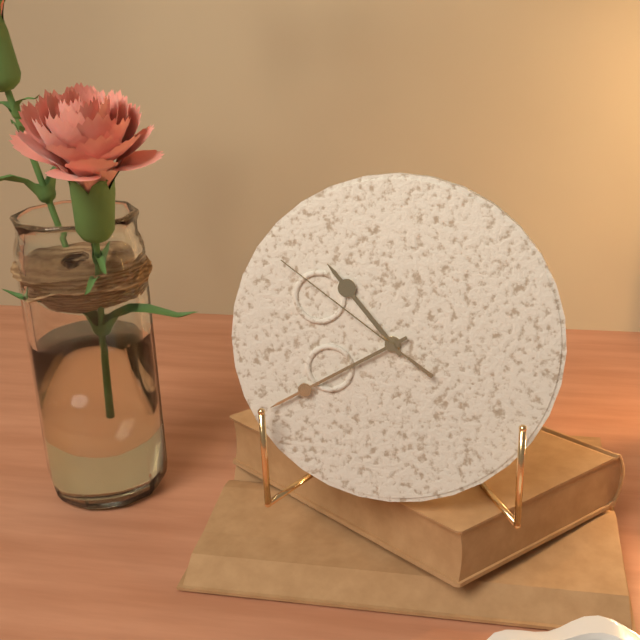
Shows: 10:40:51
